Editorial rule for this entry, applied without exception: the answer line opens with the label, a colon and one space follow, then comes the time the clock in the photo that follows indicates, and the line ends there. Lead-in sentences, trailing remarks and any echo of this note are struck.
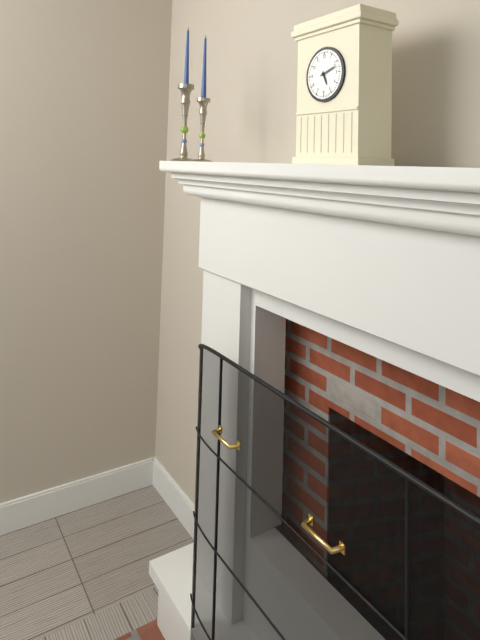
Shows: 5:12
